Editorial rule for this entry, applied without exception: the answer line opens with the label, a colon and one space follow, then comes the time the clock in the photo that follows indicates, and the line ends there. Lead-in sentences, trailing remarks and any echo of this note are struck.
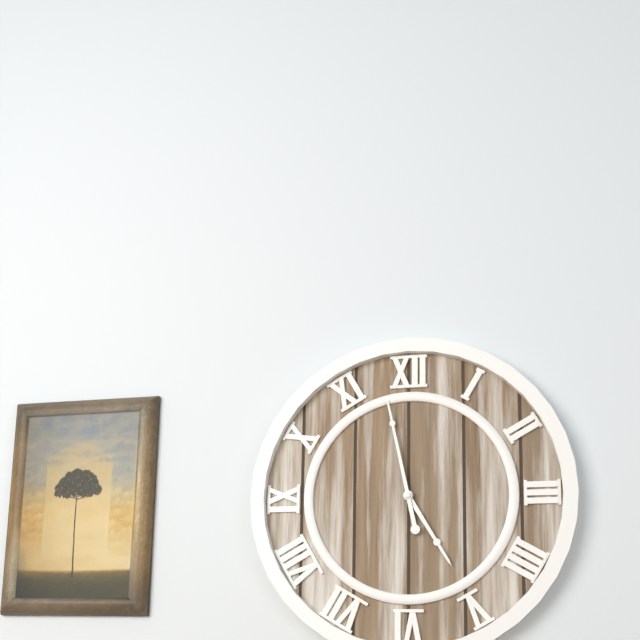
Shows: 4:58
